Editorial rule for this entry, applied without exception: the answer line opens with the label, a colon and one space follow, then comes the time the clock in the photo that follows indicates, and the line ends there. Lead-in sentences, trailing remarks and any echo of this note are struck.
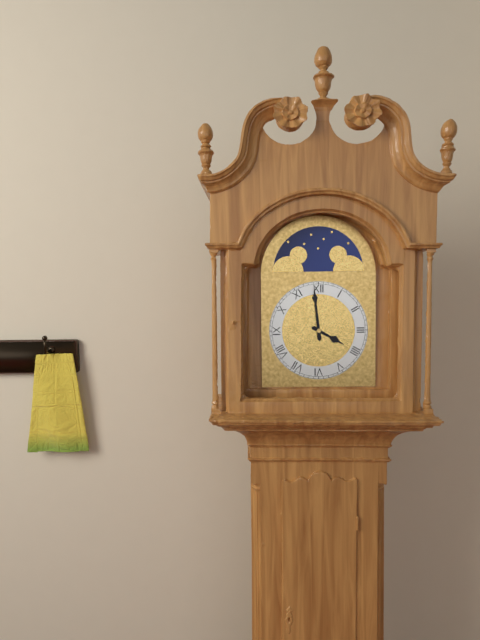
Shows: 3:59
